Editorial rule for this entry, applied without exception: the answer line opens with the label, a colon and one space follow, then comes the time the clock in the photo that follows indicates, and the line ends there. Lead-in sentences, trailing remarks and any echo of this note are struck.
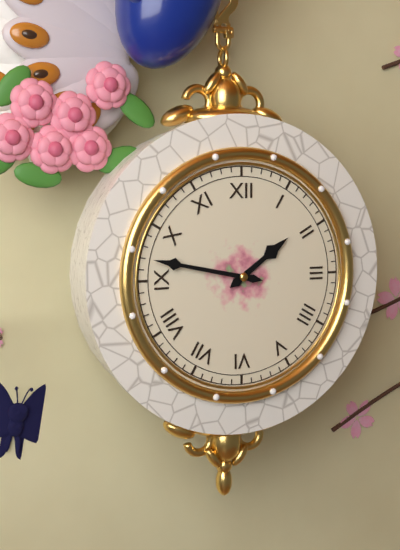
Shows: 1:47
